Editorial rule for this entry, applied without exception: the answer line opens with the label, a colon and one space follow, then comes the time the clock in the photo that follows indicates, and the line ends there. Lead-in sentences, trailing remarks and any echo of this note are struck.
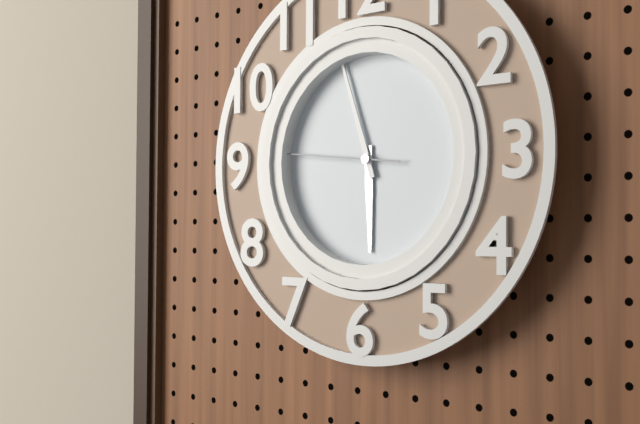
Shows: 5:57:46
